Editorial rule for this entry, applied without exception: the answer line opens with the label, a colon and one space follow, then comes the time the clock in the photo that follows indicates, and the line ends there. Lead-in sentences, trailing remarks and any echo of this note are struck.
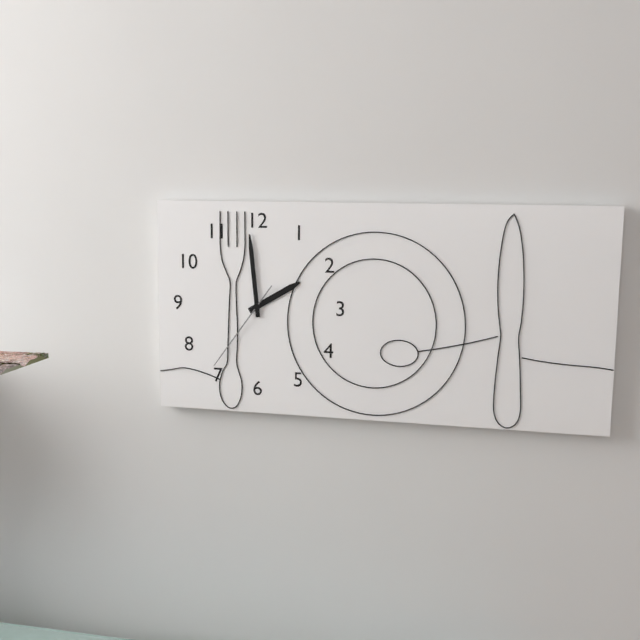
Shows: 1:59:36
